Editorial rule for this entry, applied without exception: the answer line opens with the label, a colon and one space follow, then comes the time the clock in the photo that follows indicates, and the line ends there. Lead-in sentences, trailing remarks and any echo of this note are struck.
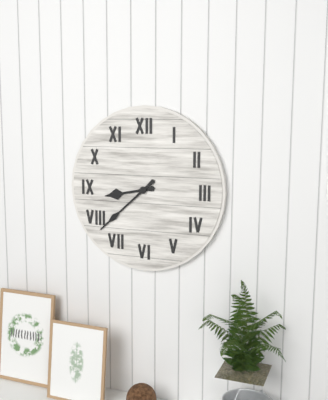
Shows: 8:38
